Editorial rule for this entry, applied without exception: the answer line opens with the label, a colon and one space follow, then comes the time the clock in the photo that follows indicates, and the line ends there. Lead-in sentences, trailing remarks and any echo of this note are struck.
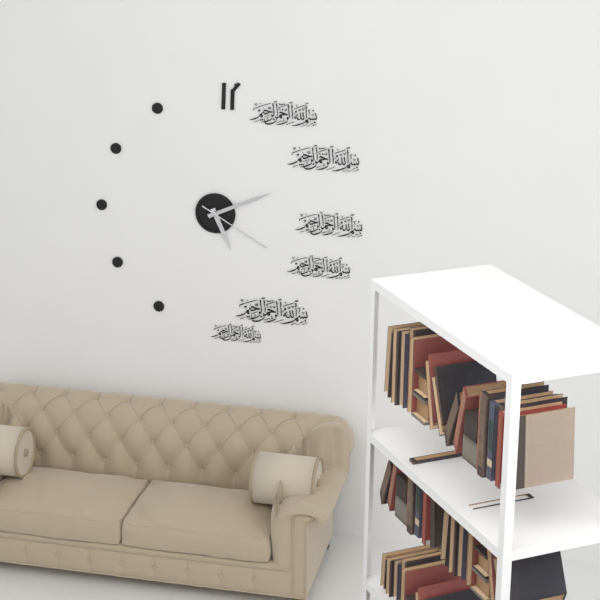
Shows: 5:11:20
